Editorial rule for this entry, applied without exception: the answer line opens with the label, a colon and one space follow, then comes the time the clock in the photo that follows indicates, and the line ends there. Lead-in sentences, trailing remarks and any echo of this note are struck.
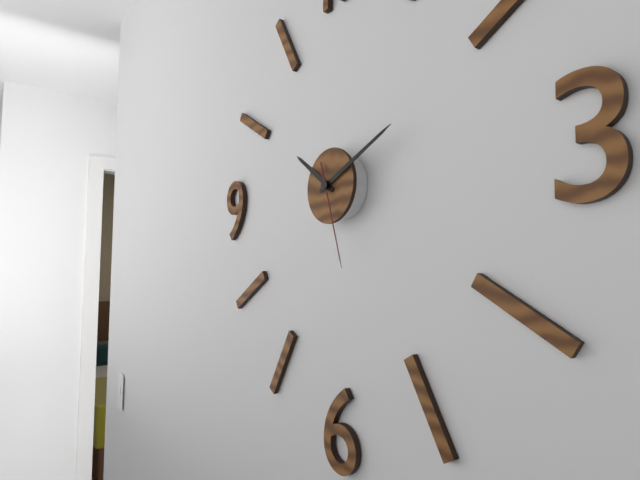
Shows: 10:11:27
